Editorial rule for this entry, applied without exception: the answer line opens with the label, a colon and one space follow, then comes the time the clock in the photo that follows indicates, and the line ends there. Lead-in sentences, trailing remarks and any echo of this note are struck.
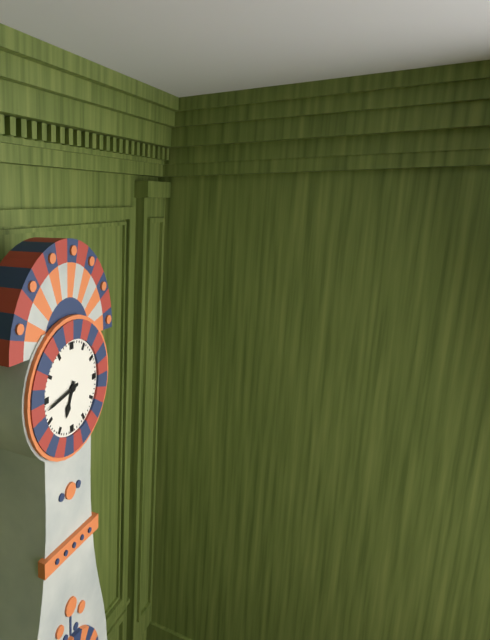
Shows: 6:43
